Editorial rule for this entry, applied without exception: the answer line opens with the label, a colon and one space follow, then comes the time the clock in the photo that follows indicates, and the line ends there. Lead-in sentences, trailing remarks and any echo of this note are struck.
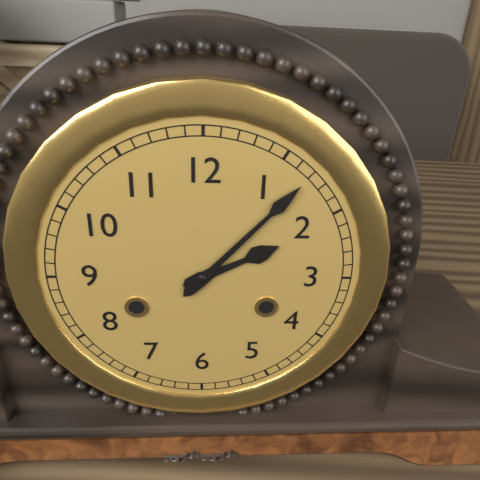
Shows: 2:07
